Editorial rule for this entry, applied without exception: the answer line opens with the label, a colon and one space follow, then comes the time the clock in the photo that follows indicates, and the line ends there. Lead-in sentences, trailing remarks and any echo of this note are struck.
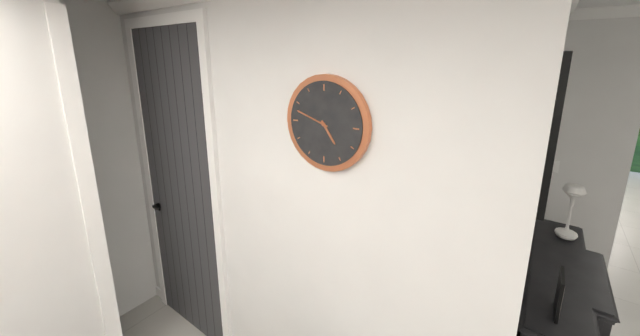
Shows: 4:48
